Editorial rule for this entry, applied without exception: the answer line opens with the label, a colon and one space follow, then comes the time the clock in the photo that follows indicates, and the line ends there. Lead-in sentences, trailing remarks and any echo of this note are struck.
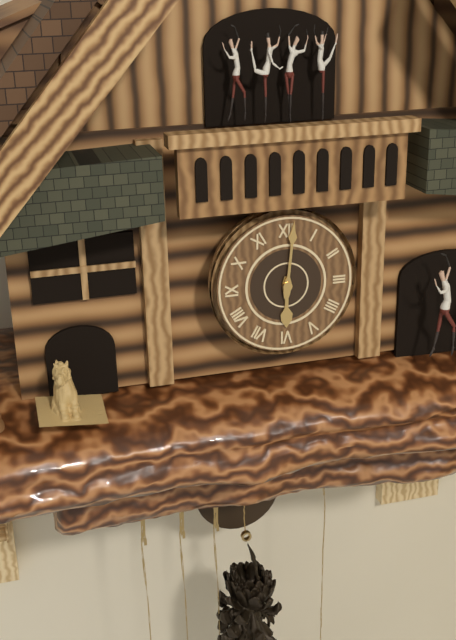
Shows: 6:01
